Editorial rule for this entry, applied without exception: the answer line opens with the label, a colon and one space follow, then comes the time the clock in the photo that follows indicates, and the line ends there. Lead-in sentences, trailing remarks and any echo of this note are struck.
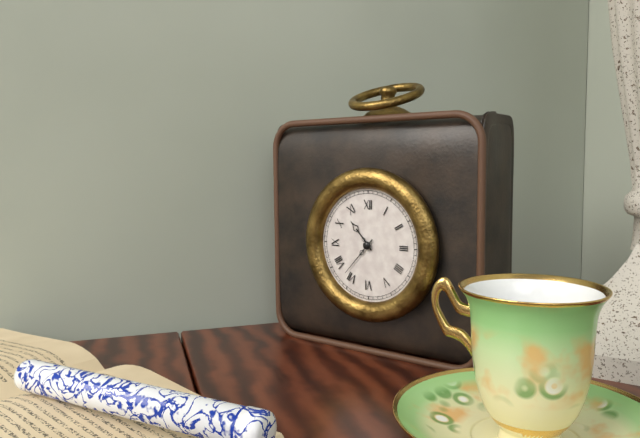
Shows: 10:37
